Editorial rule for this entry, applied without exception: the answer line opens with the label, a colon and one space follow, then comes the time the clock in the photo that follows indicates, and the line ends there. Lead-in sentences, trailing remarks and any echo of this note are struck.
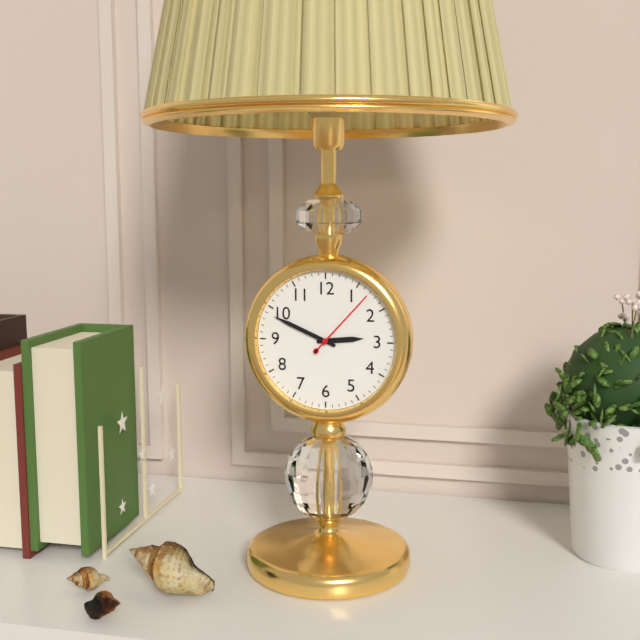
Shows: 2:49:07
